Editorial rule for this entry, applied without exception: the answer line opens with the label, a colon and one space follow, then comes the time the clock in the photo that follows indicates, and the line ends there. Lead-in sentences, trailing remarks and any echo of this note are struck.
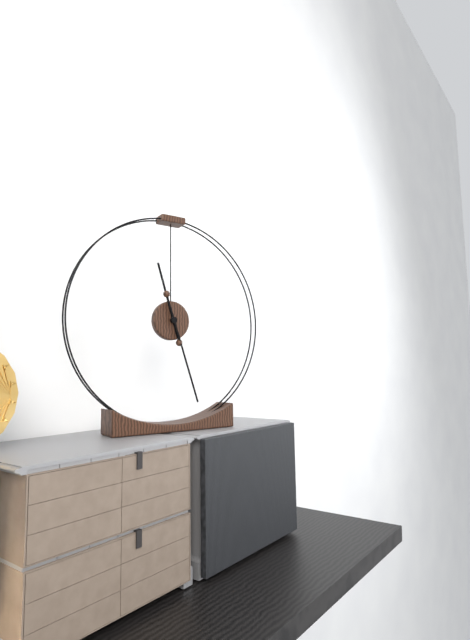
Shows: 11:27
